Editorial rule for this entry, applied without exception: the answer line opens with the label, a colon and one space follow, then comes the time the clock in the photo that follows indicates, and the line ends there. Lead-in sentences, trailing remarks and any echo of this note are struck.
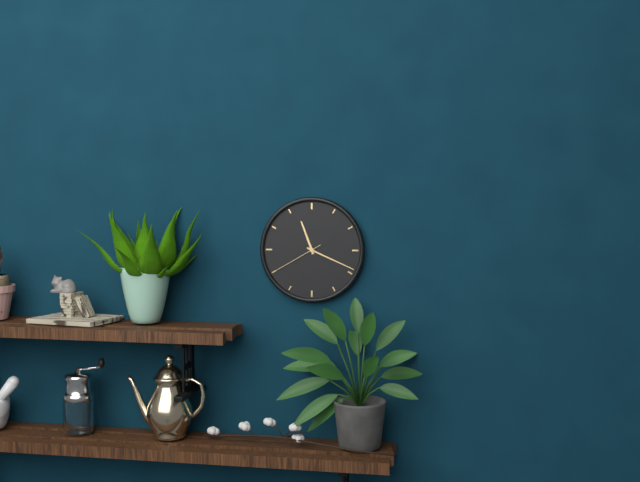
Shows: 11:19:40
